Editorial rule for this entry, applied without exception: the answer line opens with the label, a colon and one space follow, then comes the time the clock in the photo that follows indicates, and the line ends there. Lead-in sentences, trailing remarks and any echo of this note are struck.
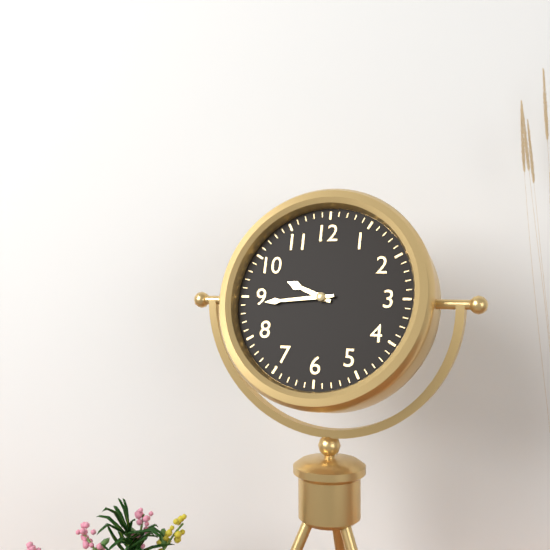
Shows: 9:44
